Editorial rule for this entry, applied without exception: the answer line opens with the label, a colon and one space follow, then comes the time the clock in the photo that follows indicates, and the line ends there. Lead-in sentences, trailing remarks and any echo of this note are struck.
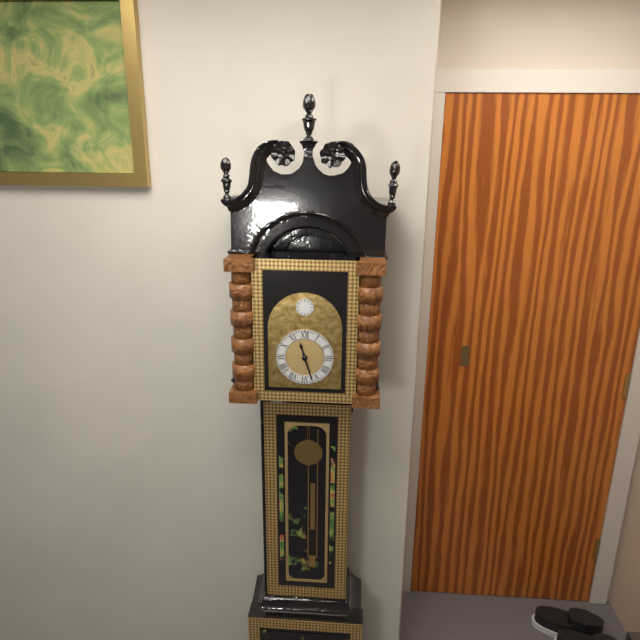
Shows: 11:27
